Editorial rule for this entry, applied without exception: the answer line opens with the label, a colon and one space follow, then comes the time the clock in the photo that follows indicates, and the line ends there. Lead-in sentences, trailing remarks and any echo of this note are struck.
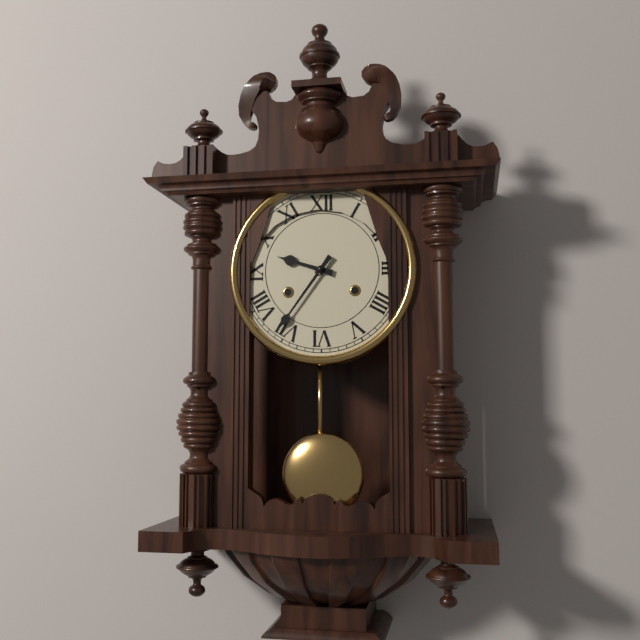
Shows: 9:36
